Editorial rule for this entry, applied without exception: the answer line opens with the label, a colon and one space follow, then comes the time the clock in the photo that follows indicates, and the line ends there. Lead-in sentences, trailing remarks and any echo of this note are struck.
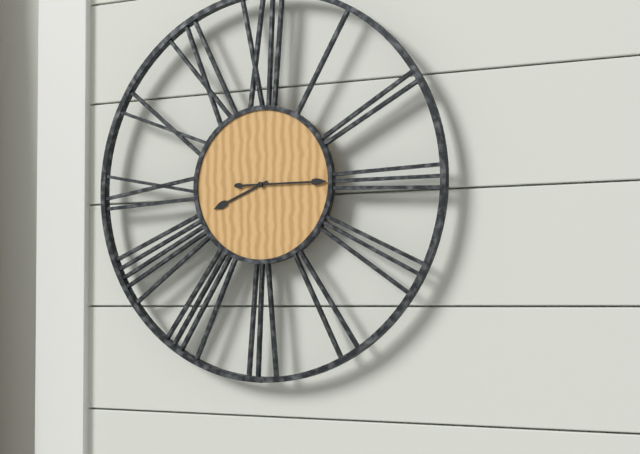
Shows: 8:15
